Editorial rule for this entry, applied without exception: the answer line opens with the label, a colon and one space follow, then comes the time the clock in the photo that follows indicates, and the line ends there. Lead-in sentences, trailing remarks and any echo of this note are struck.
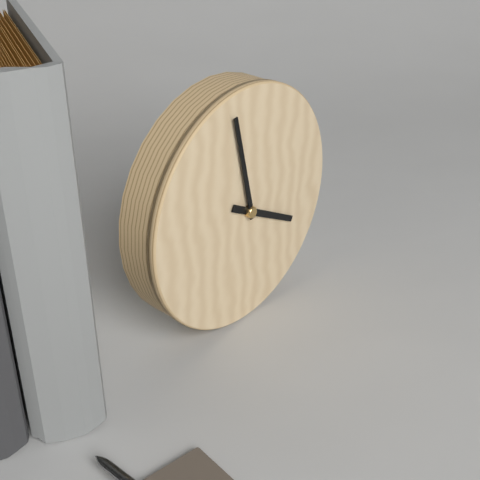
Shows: 3:58
